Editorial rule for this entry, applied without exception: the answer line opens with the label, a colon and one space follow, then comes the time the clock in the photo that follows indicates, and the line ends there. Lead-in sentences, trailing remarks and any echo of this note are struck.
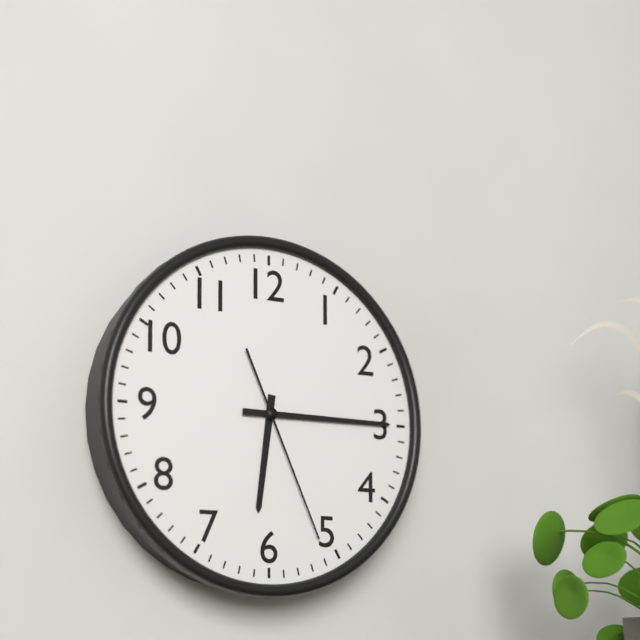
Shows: 6:15:26
